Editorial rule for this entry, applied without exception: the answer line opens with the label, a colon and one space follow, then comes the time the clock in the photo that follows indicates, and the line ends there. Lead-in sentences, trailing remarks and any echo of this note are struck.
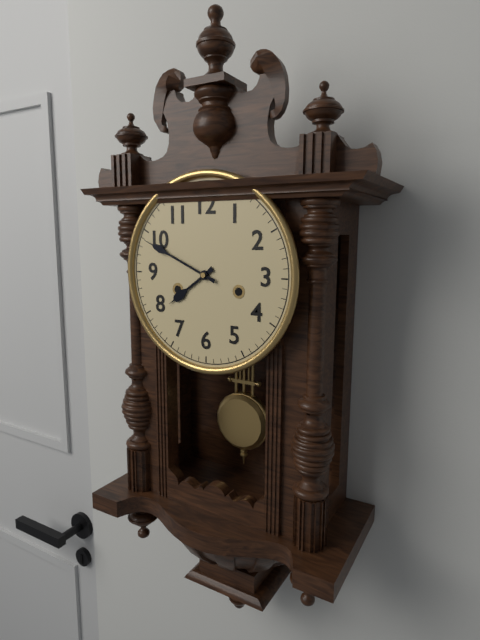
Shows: 7:49
